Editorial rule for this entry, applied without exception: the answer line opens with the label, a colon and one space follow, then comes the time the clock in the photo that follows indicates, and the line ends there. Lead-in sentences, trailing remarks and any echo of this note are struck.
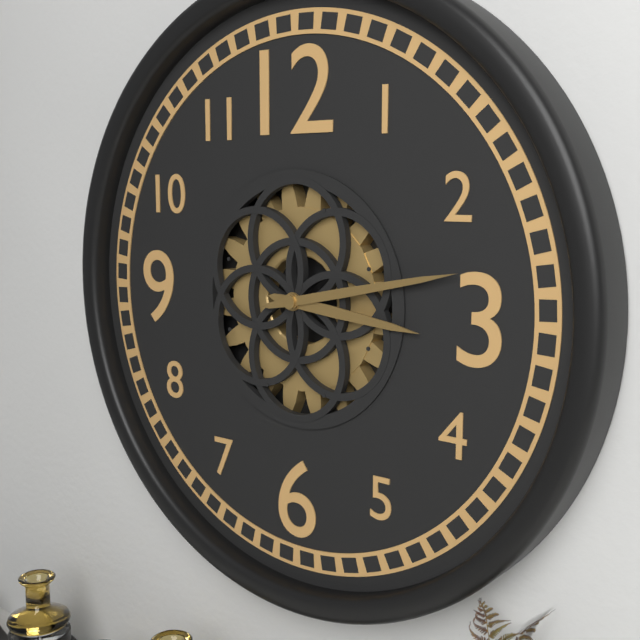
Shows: 3:13
